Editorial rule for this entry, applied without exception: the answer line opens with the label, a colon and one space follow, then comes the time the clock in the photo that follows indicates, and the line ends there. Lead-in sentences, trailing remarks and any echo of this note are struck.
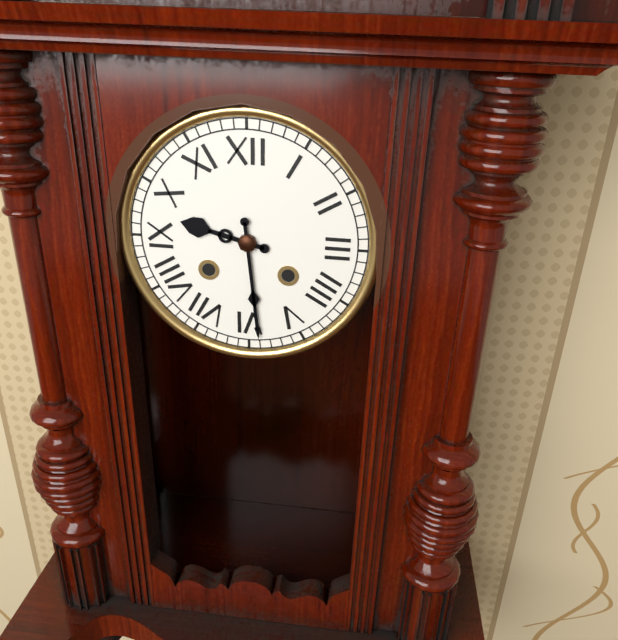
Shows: 9:29
